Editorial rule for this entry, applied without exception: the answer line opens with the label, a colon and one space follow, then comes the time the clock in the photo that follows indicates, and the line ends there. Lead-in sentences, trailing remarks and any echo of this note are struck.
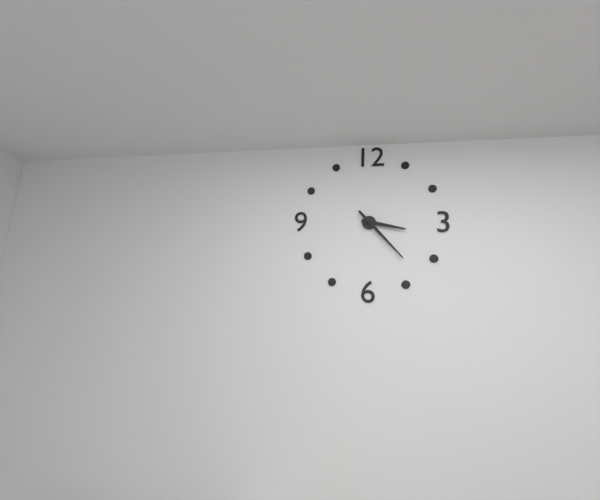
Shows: 3:23
